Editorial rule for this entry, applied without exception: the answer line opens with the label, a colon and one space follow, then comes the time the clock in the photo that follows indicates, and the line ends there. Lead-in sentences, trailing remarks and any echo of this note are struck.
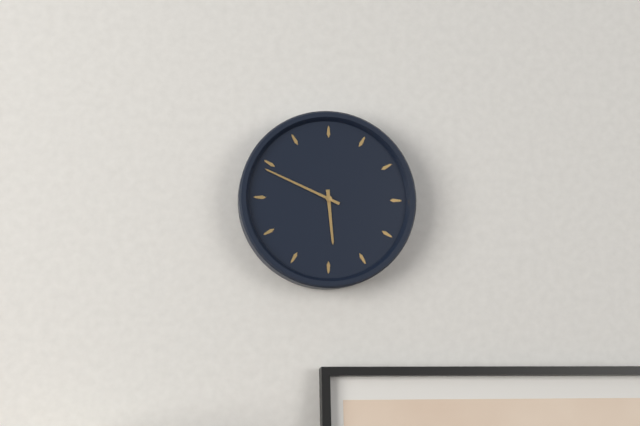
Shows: 5:49
